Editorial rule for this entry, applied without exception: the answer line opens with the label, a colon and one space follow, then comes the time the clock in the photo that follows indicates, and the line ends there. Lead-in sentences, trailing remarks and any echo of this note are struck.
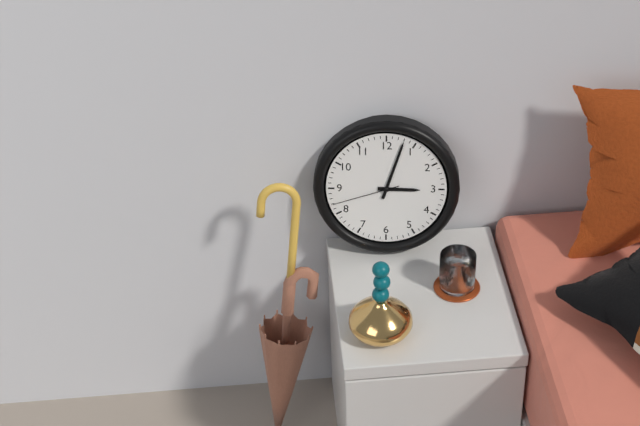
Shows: 3:03:42
